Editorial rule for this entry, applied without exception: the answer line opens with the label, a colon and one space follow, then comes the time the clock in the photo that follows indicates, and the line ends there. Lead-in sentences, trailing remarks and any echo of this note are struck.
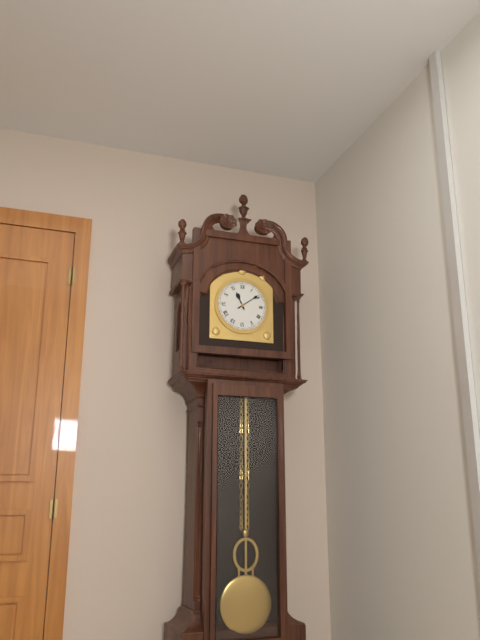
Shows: 11:09
